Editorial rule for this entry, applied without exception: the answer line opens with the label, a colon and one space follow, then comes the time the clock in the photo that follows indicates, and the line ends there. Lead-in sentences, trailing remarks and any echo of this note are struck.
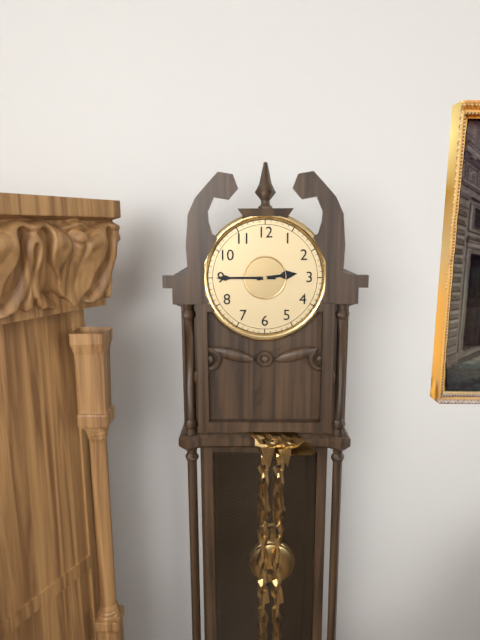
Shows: 2:45
